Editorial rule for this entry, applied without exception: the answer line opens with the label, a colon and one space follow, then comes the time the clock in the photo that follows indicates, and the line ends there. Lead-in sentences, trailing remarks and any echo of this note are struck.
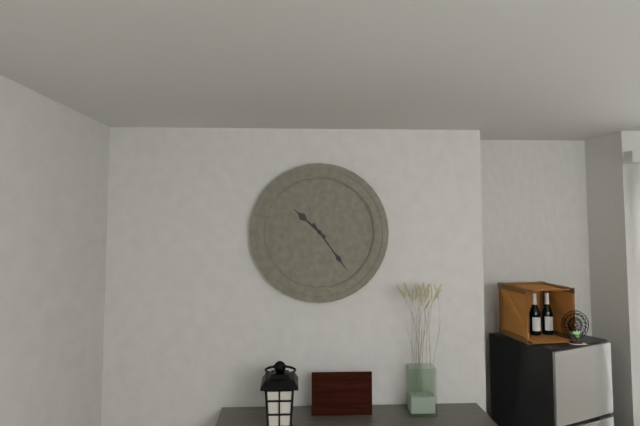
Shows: 10:24
